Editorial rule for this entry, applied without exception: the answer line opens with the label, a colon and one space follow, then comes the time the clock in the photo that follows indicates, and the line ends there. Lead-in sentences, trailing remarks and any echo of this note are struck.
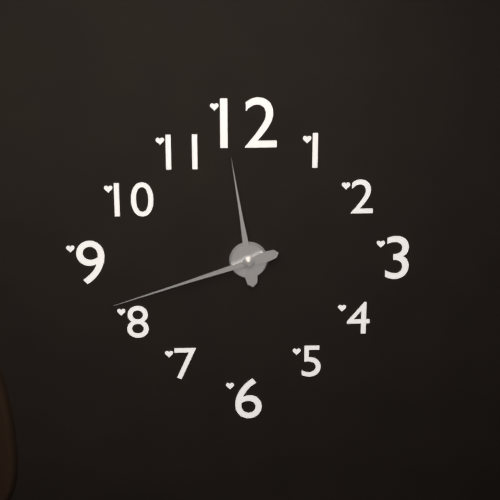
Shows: 11:42
